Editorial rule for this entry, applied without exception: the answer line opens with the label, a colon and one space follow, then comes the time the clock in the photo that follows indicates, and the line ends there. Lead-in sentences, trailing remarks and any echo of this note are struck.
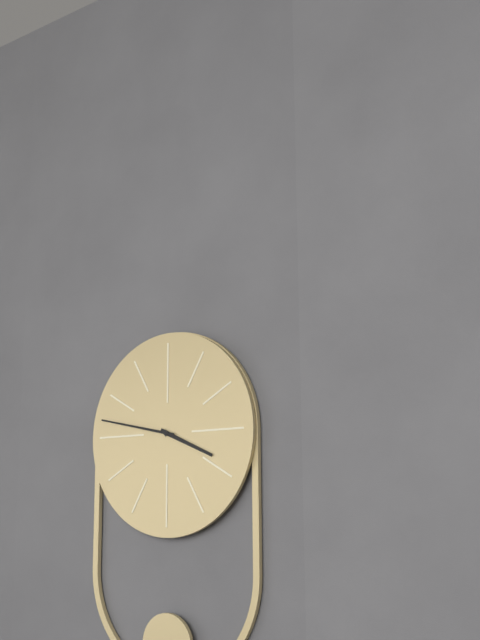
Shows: 3:47
